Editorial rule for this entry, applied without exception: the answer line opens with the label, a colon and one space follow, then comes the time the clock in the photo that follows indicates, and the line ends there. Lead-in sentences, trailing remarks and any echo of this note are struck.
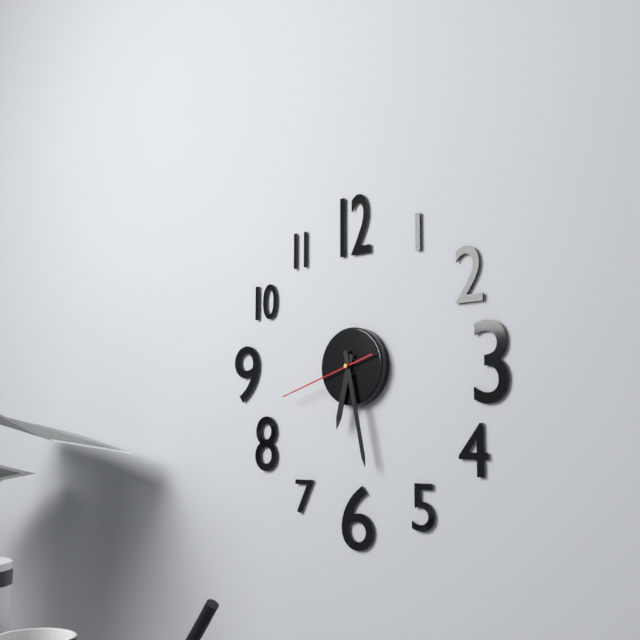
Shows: 6:28:42
